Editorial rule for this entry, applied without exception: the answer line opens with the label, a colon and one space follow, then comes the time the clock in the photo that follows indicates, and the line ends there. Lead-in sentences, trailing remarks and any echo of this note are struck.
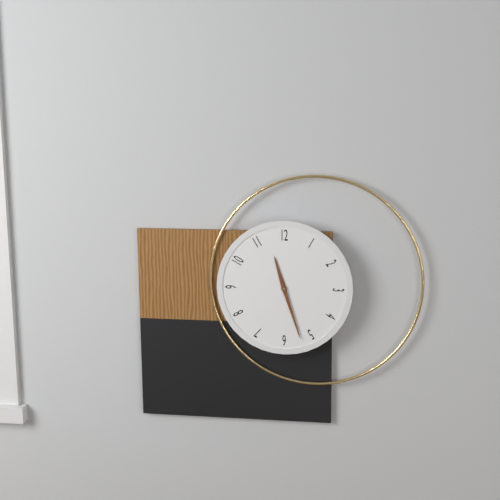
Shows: 11:27
